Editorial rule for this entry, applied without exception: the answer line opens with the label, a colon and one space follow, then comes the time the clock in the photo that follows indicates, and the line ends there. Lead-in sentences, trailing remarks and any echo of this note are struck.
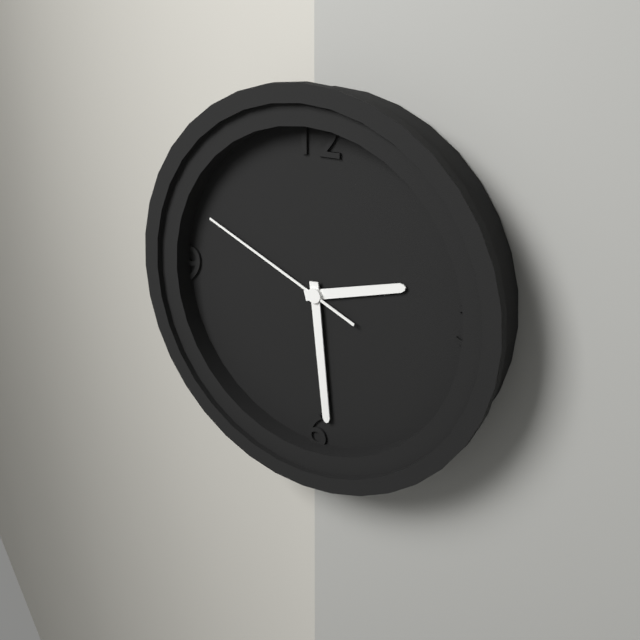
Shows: 2:29:49
